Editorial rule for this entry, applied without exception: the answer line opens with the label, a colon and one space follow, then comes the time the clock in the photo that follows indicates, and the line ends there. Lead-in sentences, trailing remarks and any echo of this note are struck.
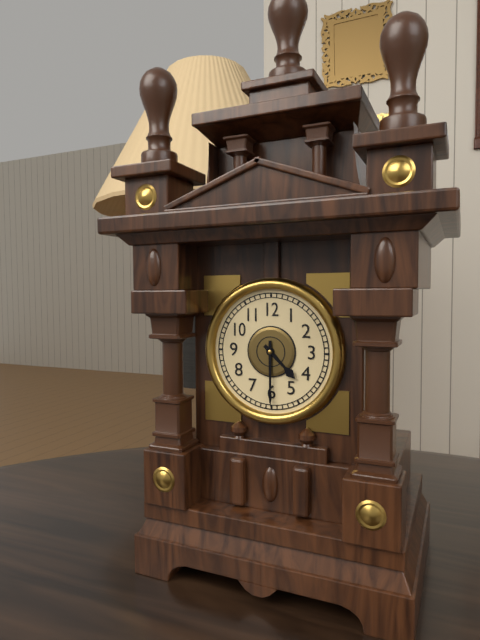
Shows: 4:30
